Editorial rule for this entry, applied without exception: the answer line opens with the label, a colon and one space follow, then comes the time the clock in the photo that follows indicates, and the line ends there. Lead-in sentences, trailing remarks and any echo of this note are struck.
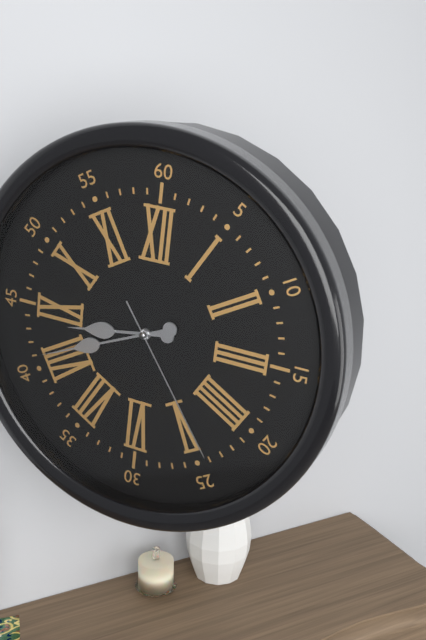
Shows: 8:41:24
